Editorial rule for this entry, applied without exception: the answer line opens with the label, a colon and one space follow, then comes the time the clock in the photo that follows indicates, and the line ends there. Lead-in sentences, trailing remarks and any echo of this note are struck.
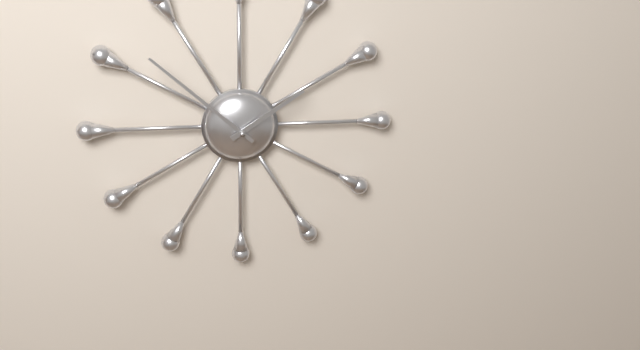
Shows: 1:52
